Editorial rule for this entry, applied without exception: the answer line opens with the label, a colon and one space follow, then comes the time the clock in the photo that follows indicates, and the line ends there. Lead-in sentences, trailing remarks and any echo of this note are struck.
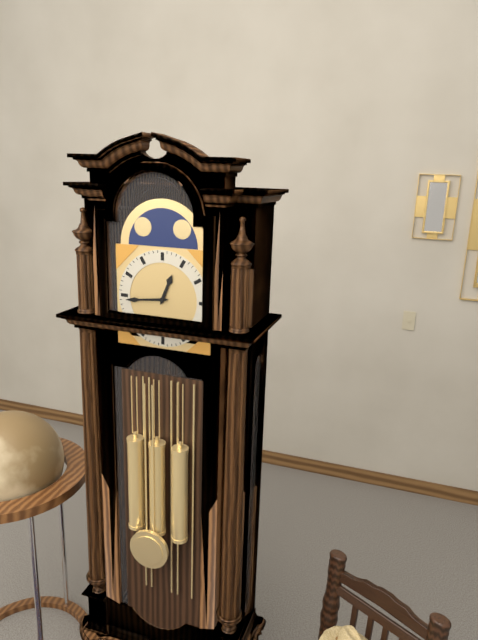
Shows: 12:44
